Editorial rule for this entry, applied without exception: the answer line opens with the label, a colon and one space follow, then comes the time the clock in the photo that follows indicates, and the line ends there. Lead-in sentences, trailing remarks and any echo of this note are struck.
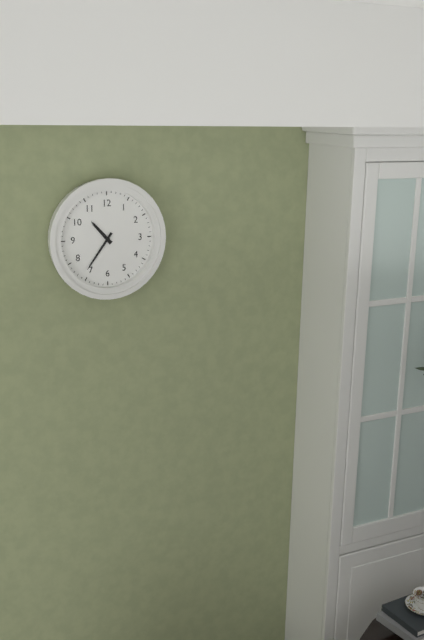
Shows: 10:36
